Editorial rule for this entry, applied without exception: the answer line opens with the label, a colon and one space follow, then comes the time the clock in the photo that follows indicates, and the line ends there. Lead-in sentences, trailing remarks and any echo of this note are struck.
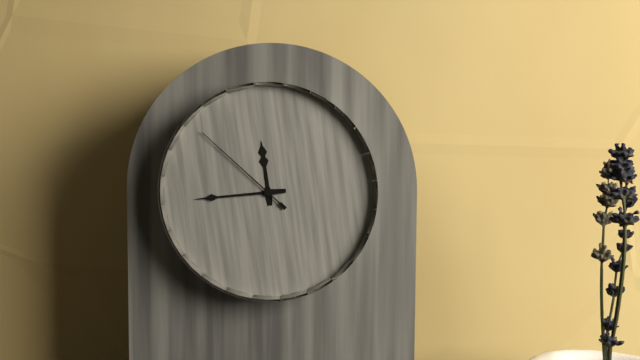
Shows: 11:44:52
